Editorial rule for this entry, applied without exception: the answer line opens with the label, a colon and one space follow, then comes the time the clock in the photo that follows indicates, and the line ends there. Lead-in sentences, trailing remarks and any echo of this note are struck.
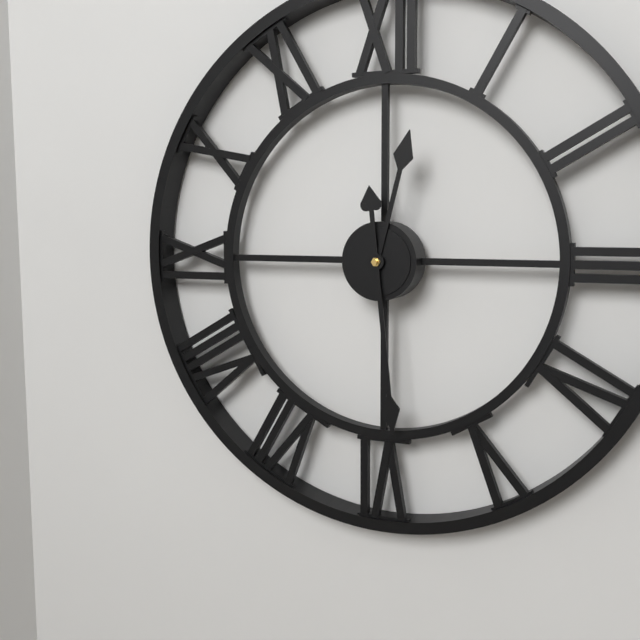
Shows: 12:29
